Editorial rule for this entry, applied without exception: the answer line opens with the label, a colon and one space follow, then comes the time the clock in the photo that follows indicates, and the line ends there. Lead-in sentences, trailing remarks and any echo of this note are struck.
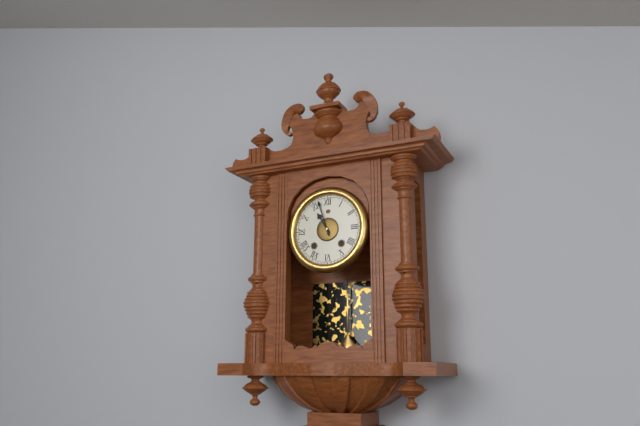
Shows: 10:57
